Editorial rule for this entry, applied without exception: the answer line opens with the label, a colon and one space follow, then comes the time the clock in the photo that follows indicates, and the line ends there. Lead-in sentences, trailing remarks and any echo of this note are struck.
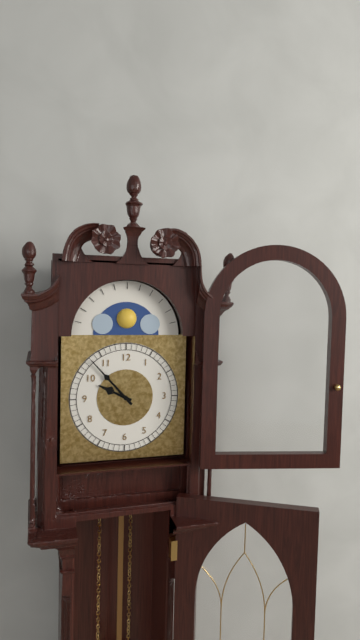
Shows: 9:53
